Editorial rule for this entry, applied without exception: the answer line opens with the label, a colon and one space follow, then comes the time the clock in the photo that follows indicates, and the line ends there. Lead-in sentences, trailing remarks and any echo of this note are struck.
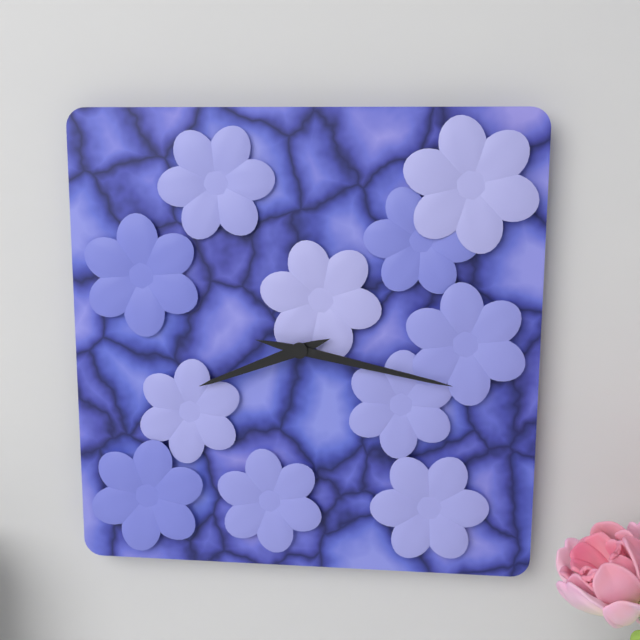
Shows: 8:17
